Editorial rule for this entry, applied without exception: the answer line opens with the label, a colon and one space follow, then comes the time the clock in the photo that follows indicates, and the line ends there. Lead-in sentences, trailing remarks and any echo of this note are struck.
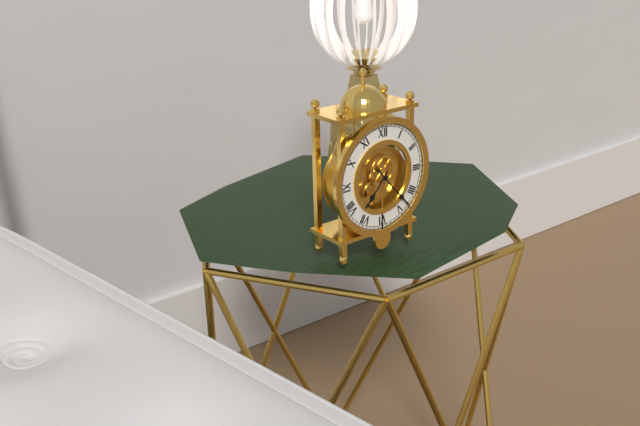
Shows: 7:23
